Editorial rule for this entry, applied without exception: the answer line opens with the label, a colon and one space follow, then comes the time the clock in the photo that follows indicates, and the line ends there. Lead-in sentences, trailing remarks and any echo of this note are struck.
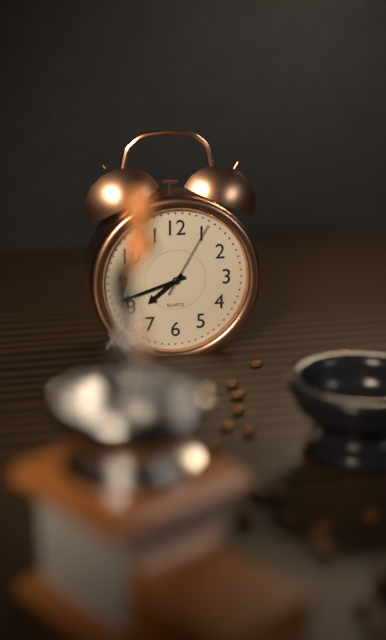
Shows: 7:42:05
